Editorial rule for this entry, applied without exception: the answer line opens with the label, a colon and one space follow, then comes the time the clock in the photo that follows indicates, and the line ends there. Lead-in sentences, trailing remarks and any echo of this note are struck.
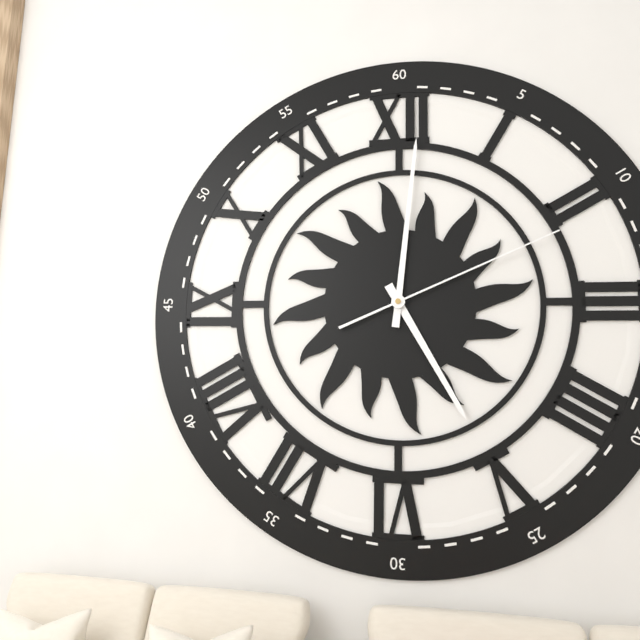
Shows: 5:01:11
